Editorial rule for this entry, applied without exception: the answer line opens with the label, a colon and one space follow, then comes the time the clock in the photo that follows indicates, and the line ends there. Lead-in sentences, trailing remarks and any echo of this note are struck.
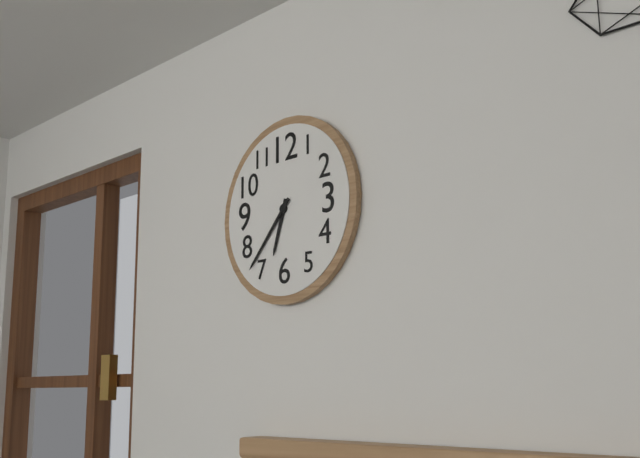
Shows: 6:37
